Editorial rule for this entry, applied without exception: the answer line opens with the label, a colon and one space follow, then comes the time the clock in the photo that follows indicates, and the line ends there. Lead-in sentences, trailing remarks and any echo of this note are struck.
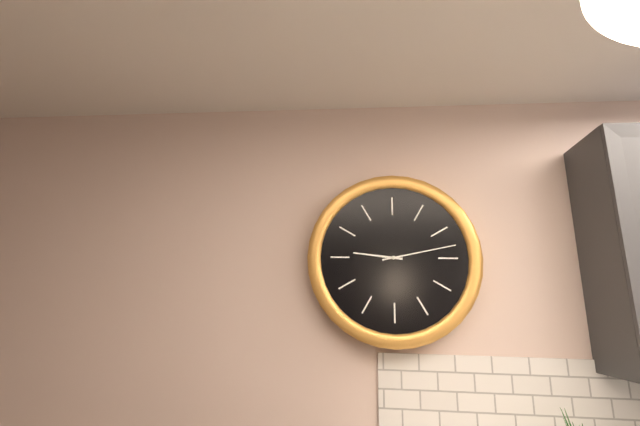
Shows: 9:13
